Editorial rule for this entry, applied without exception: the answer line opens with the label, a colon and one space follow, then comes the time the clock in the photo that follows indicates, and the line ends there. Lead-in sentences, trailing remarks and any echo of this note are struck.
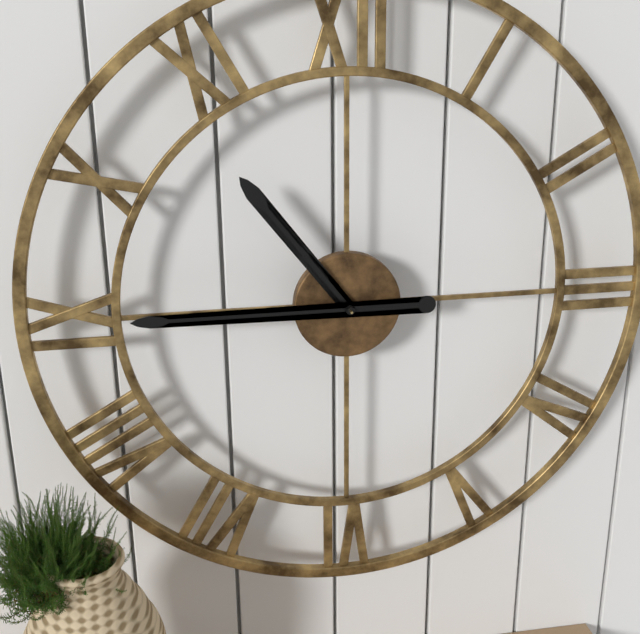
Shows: 10:45
